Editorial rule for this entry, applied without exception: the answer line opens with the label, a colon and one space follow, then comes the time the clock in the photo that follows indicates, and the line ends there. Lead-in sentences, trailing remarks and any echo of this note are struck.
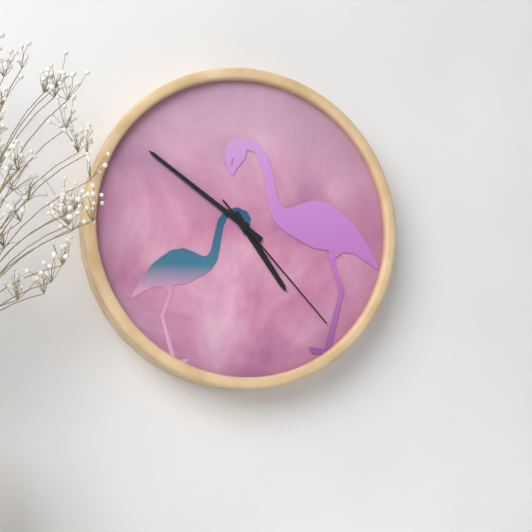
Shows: 4:51:23
